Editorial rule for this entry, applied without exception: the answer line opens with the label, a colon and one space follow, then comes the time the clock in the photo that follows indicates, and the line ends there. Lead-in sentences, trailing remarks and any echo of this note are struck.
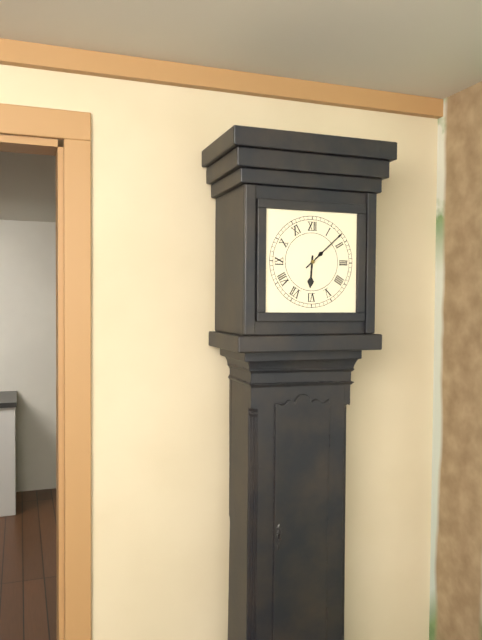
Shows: 6:08
